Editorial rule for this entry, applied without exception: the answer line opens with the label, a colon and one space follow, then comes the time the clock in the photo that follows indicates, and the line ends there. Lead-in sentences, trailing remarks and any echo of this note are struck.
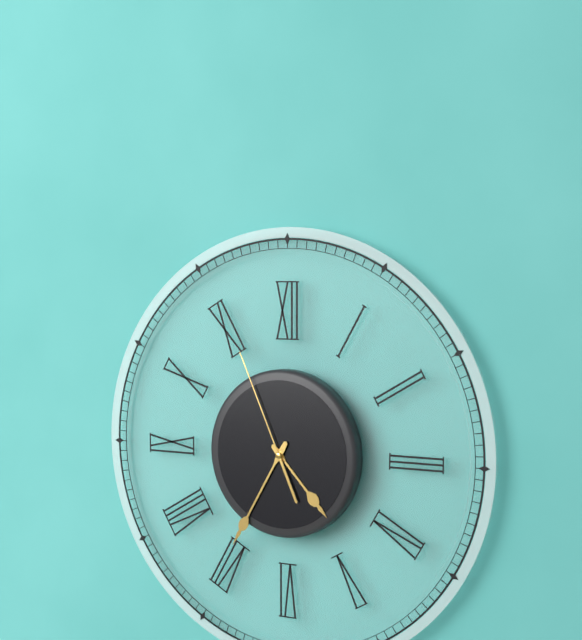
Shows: 4:35:56
